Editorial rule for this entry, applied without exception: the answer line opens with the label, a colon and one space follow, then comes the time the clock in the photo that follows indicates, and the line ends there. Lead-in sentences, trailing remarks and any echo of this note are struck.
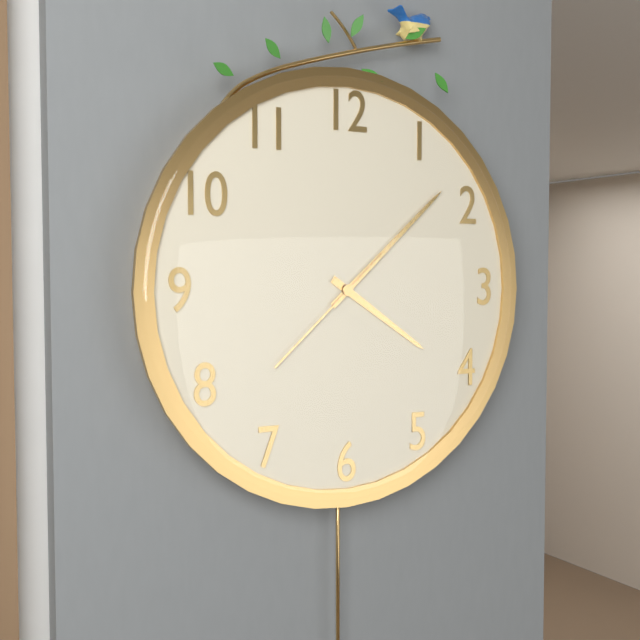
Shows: 4:08:38
